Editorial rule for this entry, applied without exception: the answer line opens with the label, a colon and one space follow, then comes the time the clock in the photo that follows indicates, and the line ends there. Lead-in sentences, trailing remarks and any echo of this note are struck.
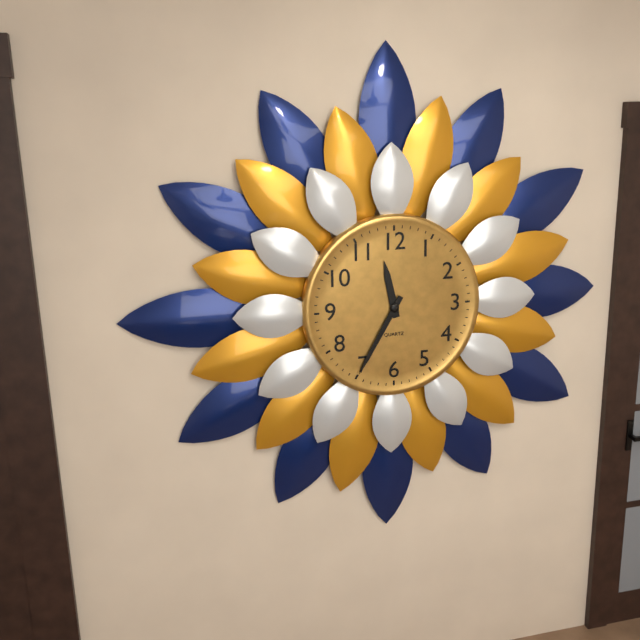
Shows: 11:35
